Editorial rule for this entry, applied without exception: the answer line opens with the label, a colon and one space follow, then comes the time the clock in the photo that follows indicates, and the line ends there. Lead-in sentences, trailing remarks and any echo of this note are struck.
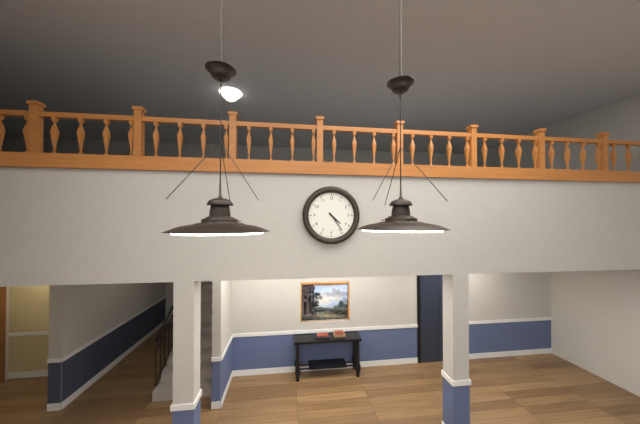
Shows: 4:24
